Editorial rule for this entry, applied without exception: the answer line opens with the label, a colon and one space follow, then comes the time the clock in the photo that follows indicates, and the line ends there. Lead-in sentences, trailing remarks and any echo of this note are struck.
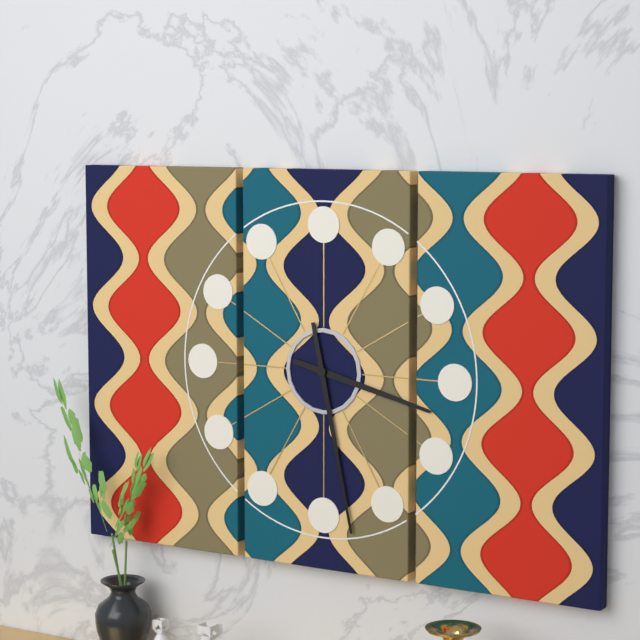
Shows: 3:28
